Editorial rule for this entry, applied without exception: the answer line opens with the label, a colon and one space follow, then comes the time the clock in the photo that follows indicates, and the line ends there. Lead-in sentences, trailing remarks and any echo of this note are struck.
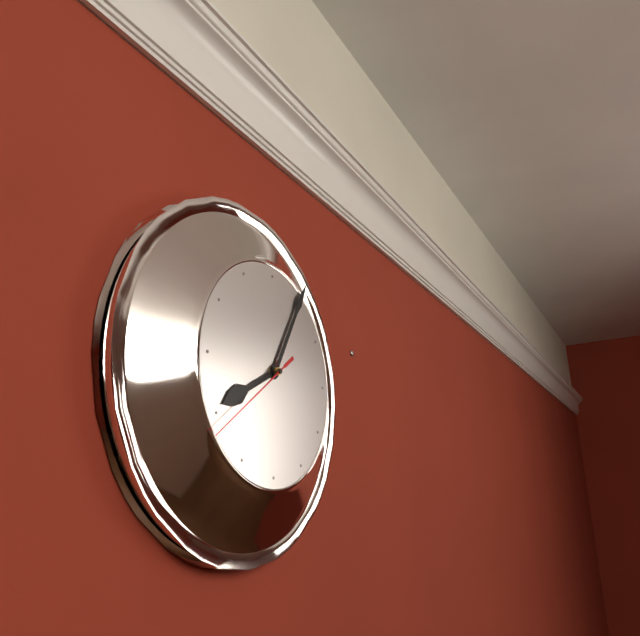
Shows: 8:05:39
